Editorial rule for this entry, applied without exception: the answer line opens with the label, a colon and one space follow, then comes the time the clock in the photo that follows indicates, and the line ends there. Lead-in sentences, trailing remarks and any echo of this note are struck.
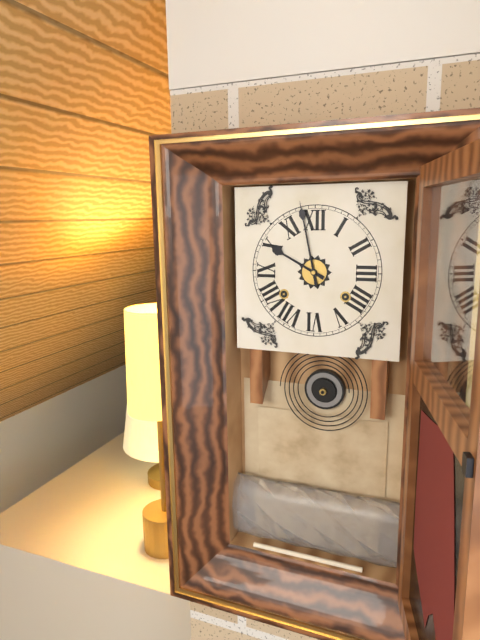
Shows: 9:58
